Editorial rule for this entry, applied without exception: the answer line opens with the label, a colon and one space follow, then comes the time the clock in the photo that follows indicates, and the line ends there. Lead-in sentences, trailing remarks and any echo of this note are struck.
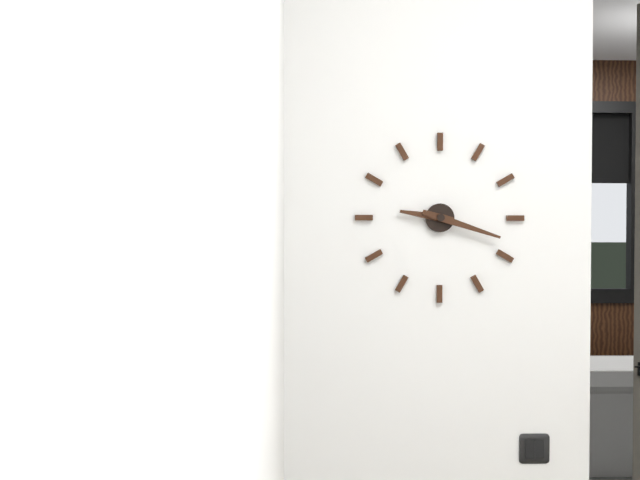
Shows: 9:18
